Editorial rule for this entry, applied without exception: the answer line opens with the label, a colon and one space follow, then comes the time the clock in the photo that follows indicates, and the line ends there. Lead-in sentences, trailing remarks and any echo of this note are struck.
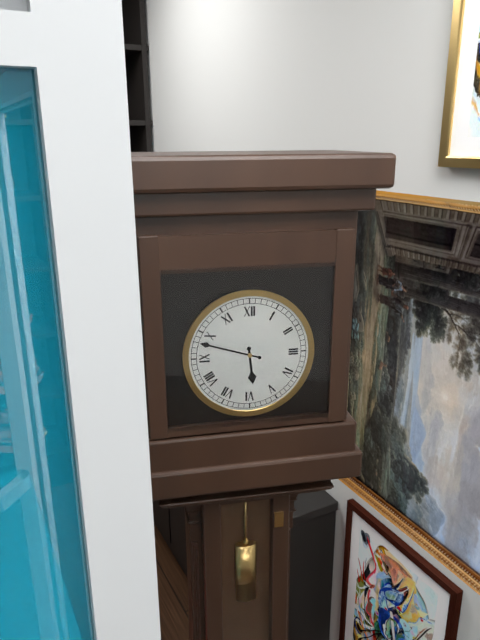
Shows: 5:48
